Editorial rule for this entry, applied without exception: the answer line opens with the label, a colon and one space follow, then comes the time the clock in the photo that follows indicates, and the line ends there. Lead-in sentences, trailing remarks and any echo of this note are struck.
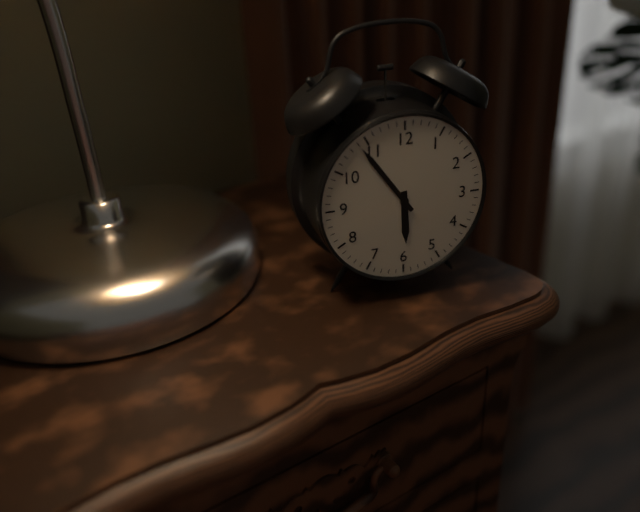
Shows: 5:54
